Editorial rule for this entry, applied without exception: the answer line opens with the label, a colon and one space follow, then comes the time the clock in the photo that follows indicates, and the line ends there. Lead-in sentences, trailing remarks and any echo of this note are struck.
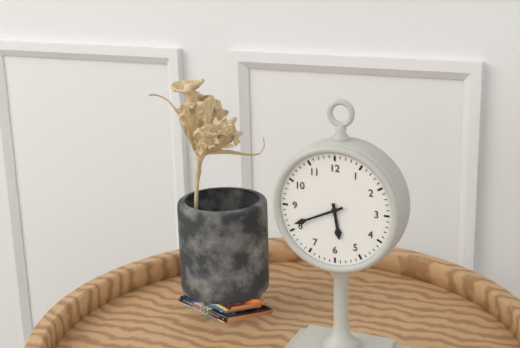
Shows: 5:41
